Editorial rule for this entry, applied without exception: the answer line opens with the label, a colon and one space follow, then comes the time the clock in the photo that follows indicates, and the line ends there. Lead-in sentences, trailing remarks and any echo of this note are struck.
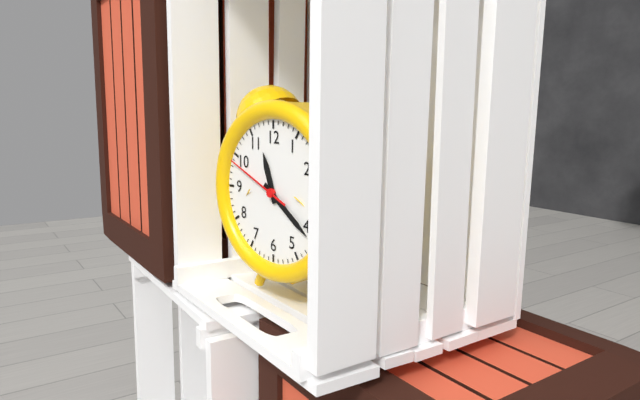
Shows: 11:21:49
